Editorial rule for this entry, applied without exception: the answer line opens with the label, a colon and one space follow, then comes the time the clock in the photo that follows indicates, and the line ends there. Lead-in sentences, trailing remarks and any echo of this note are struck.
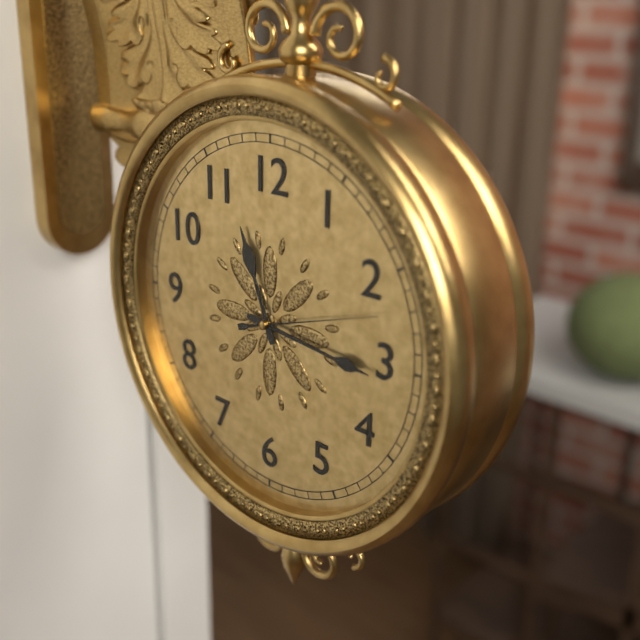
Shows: 11:16:12
